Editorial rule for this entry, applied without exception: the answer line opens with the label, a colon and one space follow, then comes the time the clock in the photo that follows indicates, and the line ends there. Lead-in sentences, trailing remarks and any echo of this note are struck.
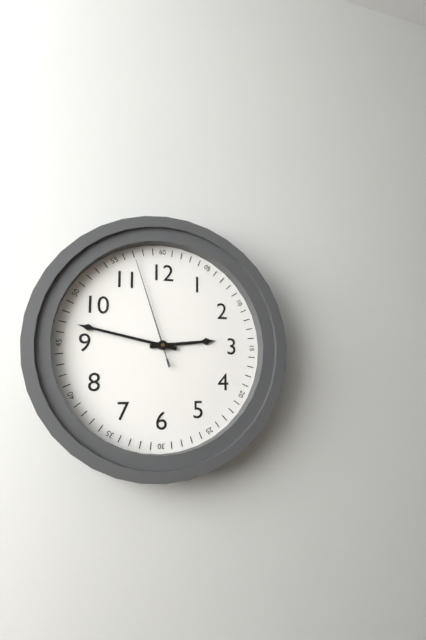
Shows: 2:47:57
